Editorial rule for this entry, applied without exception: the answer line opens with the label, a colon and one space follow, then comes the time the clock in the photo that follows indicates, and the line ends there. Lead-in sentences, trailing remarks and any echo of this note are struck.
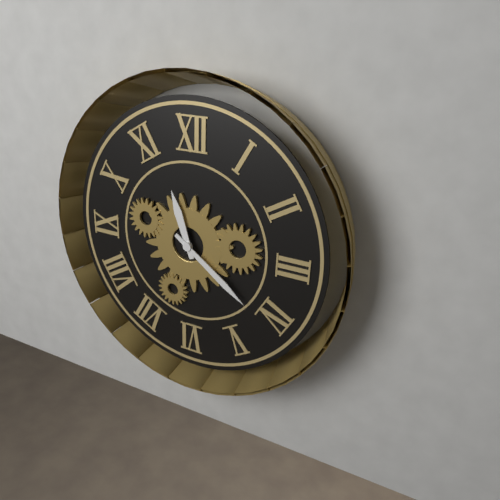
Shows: 11:21
